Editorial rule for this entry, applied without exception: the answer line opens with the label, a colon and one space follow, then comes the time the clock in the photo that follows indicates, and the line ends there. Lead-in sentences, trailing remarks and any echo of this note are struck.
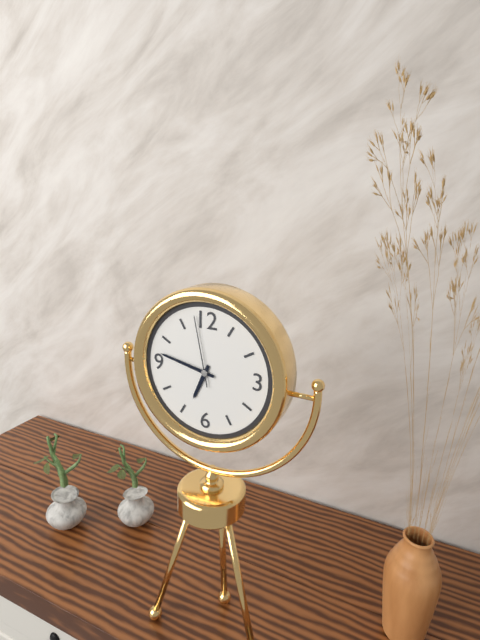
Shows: 6:47:58
